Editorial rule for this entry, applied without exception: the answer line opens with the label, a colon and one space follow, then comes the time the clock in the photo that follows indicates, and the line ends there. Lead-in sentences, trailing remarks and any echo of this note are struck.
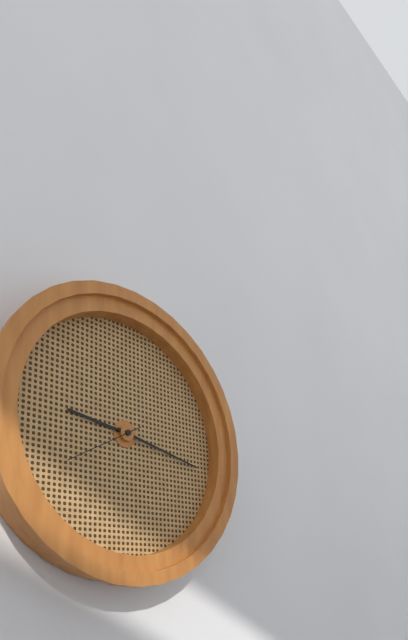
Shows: 9:17:40
